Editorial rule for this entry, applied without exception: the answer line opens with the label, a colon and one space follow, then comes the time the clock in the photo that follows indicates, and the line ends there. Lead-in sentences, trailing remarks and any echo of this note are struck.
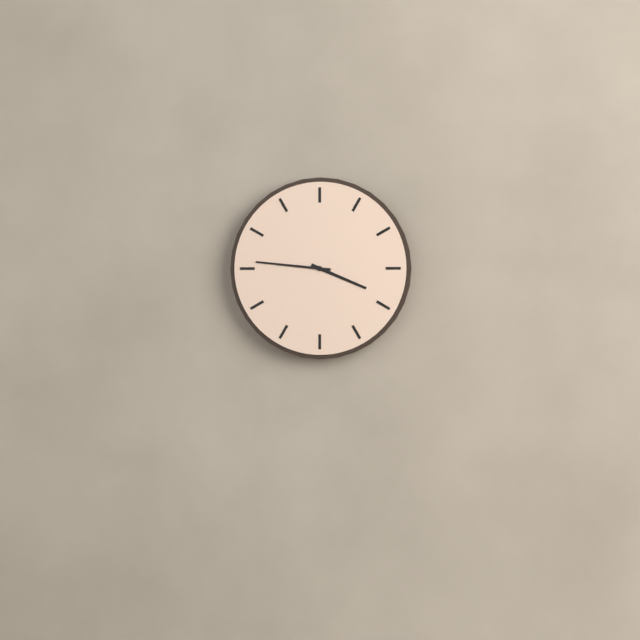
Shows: 3:46
